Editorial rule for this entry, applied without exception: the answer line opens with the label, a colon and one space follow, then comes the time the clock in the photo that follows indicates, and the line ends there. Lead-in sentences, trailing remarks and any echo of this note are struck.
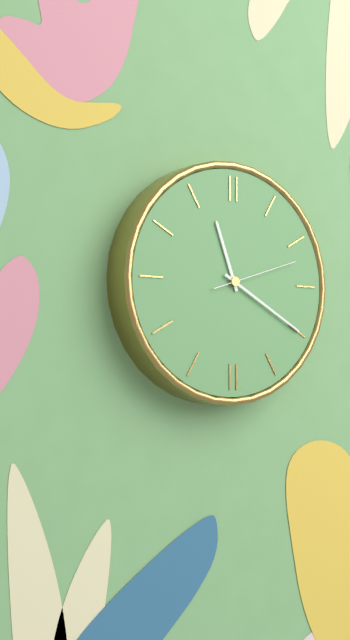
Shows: 11:20:12
